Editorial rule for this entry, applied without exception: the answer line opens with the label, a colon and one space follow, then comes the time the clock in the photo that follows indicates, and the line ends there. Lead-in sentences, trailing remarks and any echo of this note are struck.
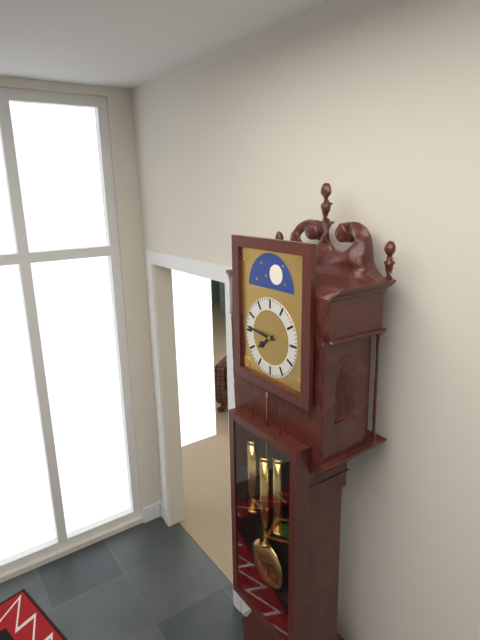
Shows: 7:46
